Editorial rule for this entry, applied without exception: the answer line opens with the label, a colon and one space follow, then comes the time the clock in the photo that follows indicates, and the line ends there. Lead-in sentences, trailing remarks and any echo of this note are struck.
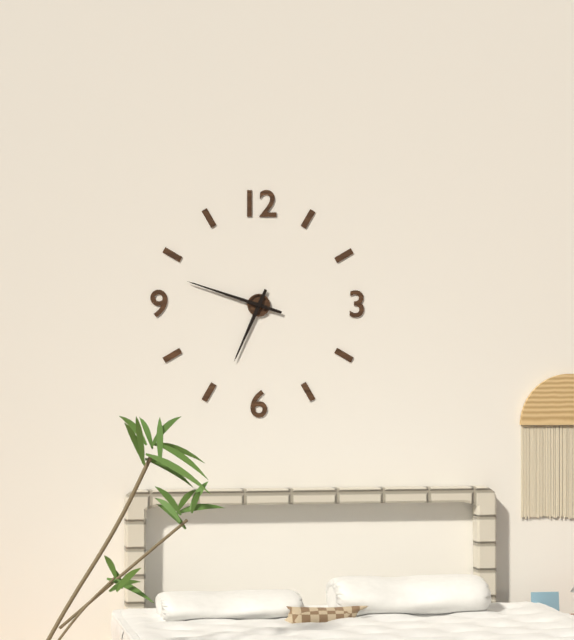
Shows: 6:48
